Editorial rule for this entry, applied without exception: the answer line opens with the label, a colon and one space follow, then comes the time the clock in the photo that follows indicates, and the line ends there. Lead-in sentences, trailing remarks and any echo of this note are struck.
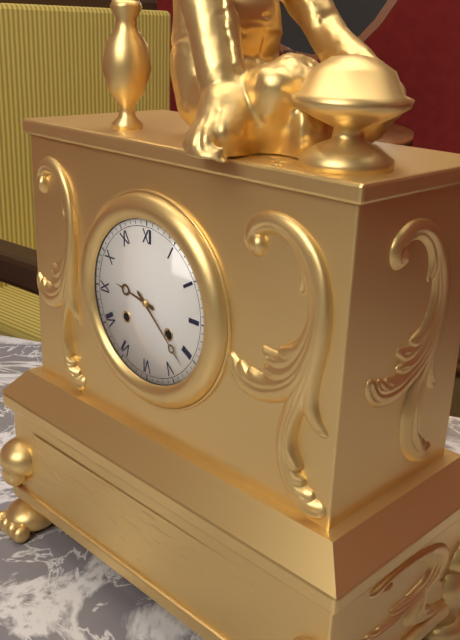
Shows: 9:22
